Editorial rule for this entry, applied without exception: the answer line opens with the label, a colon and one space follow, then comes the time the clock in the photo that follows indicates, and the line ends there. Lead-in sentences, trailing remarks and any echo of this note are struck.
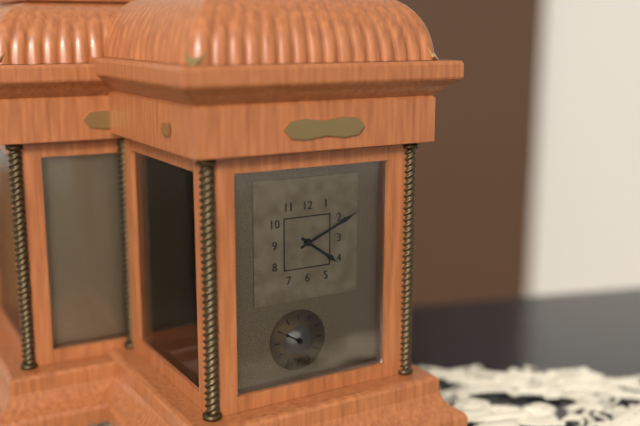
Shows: 4:11
